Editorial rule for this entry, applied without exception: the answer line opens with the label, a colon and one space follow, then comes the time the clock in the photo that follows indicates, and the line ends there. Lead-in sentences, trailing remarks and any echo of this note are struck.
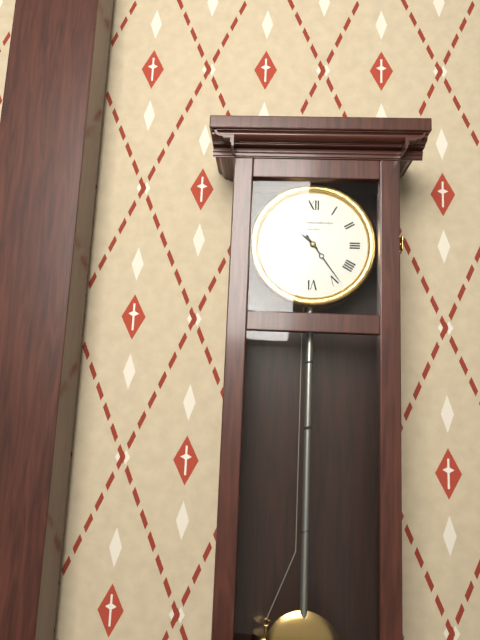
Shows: 10:24
